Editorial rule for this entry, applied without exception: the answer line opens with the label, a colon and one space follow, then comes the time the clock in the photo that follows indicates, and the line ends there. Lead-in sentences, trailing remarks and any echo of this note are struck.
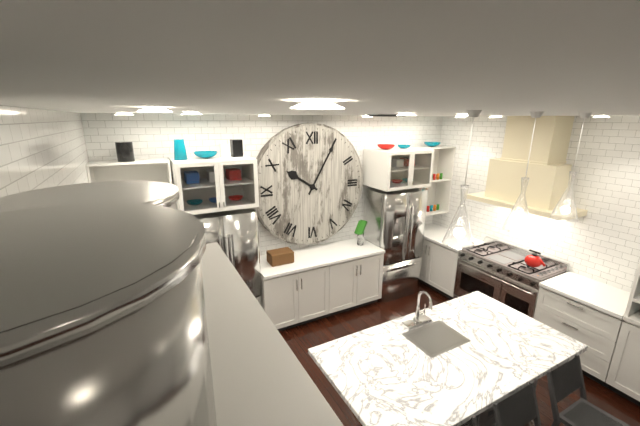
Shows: 10:05
